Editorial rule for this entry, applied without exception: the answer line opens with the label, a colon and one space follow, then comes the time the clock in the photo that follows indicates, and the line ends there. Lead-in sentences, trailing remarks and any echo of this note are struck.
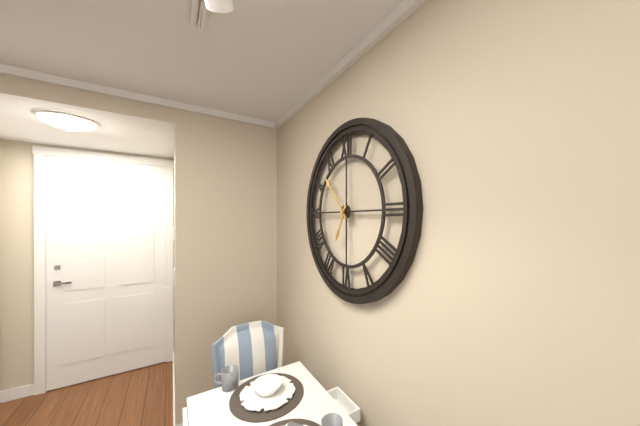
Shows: 6:53
